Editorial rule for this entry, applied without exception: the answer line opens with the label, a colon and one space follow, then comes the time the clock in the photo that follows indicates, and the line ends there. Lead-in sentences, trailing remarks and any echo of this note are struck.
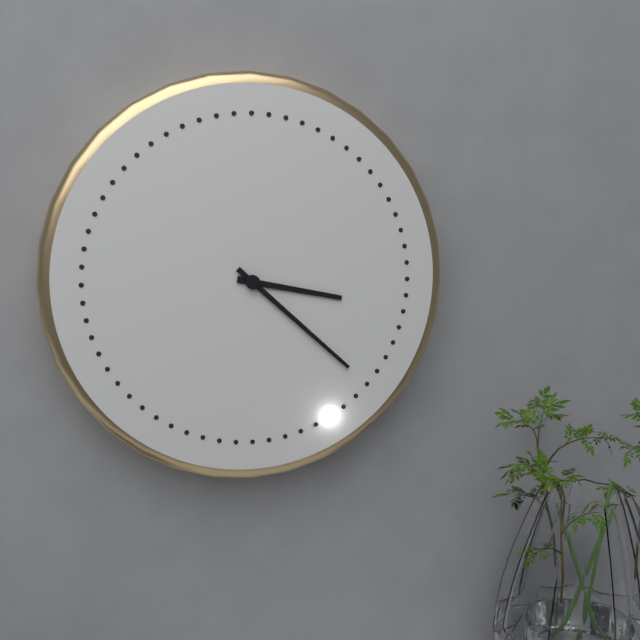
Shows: 3:22
